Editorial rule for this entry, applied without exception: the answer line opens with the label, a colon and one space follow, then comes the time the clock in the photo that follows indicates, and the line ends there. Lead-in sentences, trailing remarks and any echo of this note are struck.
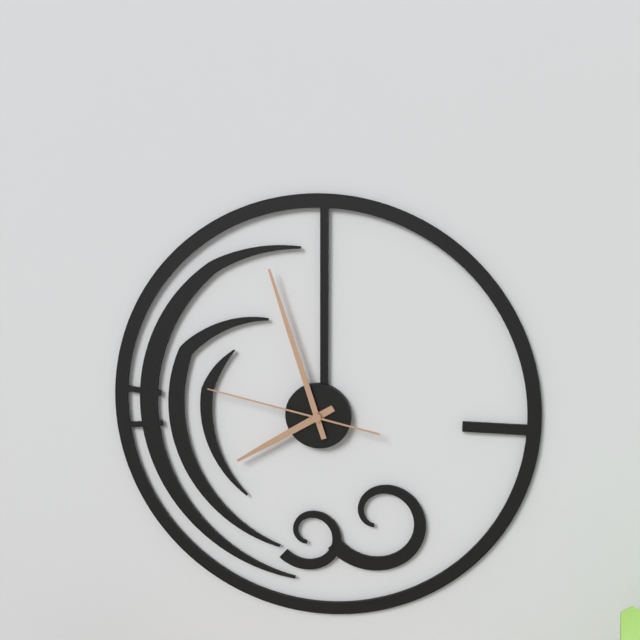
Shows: 7:57:47
